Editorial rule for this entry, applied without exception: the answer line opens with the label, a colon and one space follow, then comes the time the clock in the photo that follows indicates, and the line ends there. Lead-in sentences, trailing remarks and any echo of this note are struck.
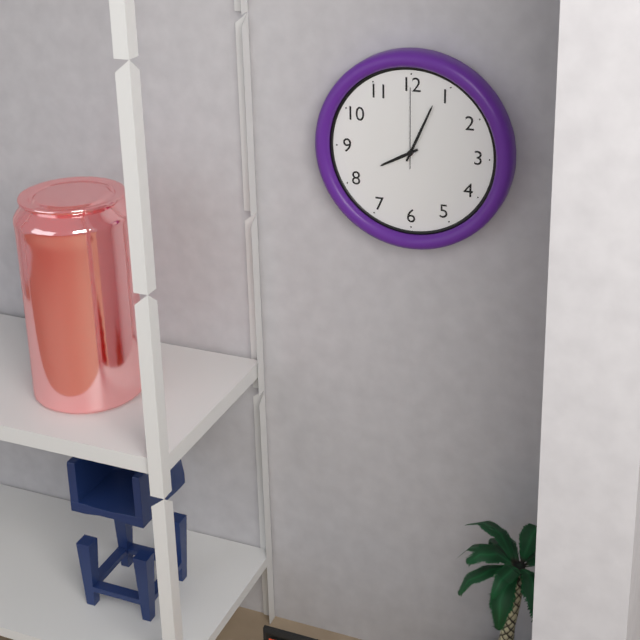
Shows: 8:04:00
